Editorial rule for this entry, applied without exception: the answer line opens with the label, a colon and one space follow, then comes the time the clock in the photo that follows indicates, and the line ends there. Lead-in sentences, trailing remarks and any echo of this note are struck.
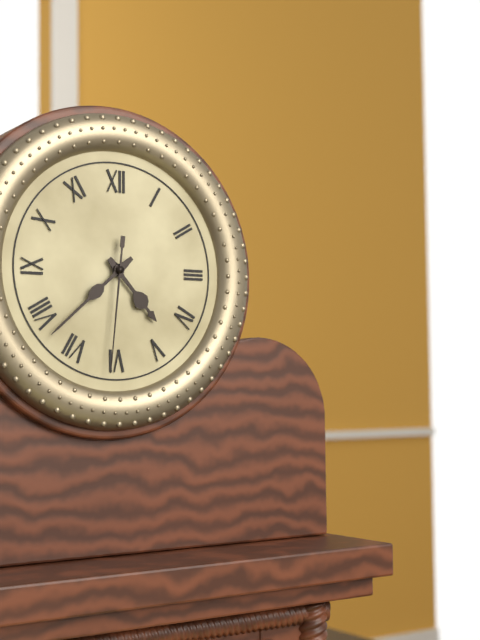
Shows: 4:38:31
